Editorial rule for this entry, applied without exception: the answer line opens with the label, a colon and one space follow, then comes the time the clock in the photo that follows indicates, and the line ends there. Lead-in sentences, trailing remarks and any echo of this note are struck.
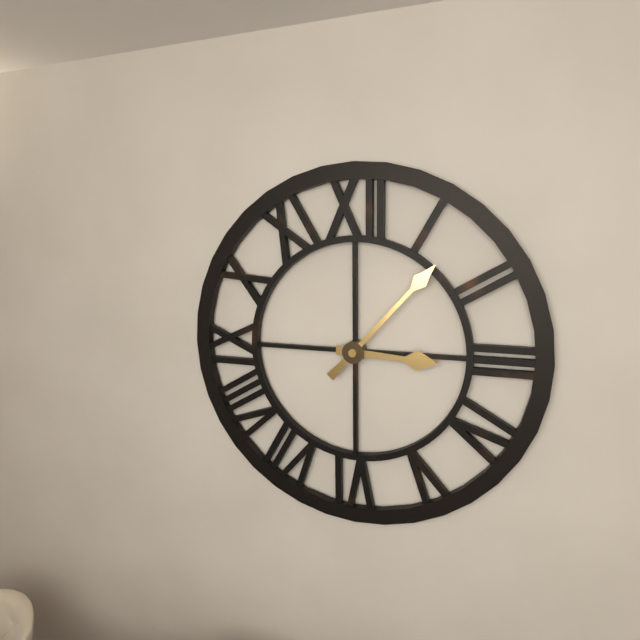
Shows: 3:07
